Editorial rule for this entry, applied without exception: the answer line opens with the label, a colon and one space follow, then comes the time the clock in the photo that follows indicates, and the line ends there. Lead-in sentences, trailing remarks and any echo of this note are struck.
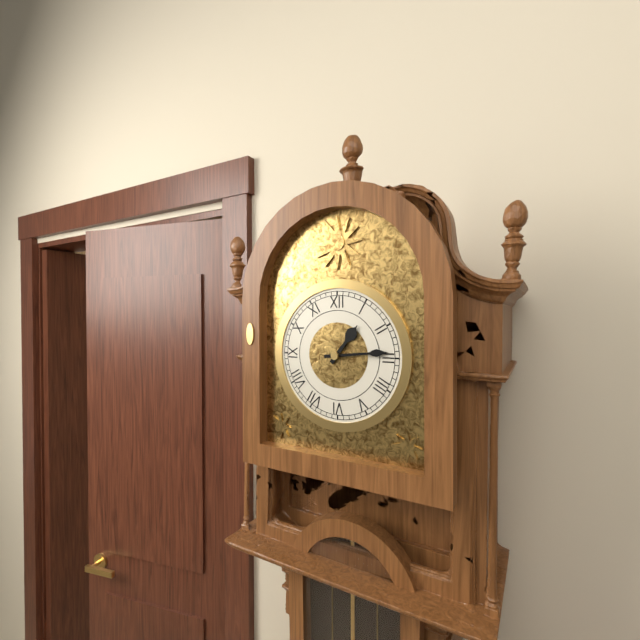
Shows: 1:14
